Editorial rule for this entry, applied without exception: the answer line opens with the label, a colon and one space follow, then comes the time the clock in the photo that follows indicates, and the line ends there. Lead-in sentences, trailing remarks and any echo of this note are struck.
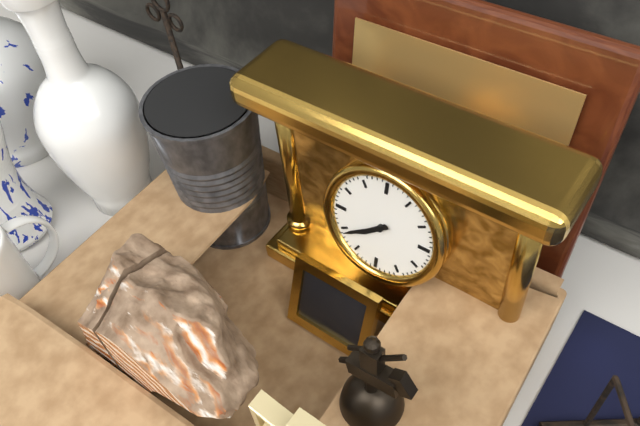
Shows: 7:39
